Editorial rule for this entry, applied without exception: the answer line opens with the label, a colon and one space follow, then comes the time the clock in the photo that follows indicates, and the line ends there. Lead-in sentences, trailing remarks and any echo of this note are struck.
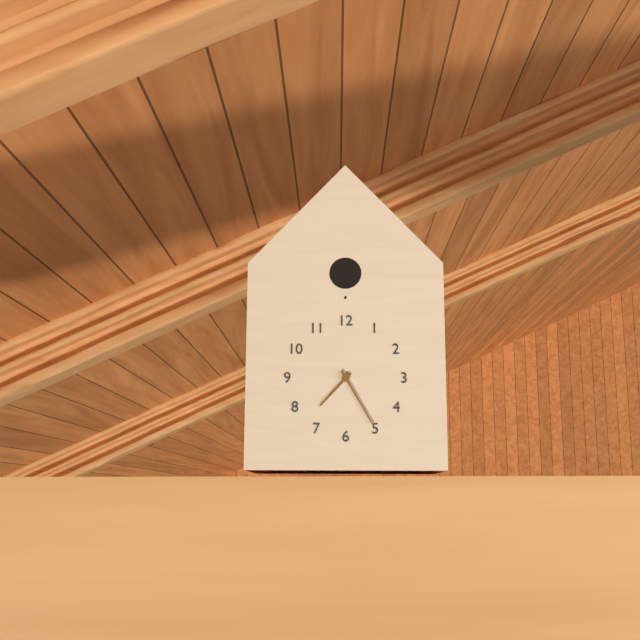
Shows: 7:25
